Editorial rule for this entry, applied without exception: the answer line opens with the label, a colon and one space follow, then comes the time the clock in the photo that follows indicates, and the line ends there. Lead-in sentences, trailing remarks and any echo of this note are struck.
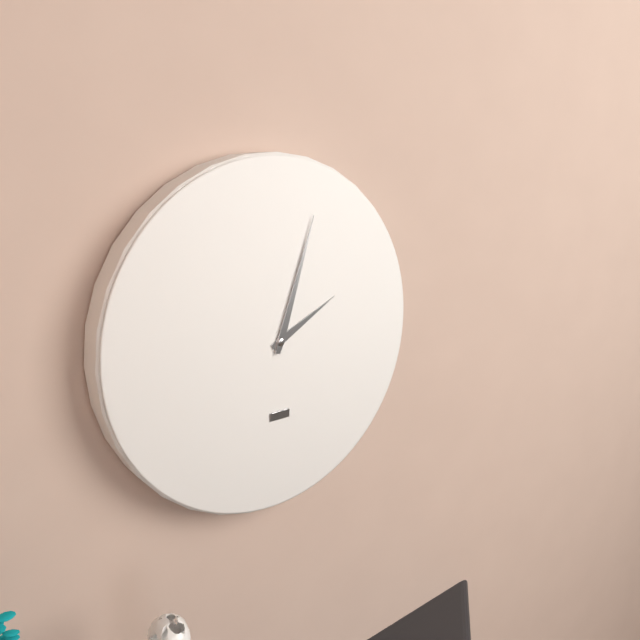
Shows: 2:03
